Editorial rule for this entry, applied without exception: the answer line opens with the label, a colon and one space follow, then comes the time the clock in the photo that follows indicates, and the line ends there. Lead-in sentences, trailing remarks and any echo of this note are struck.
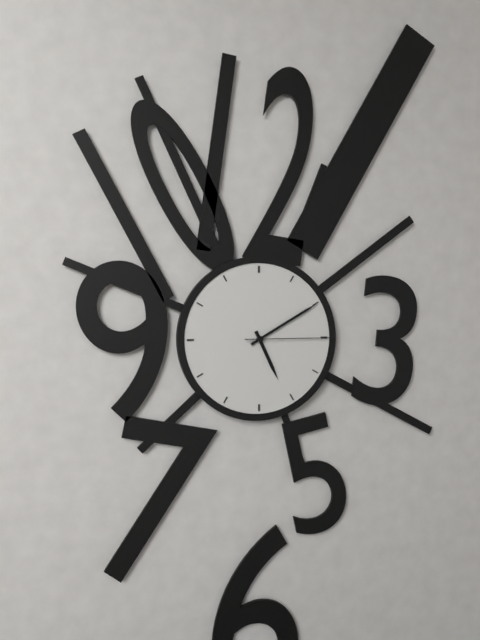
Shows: 5:10:15
